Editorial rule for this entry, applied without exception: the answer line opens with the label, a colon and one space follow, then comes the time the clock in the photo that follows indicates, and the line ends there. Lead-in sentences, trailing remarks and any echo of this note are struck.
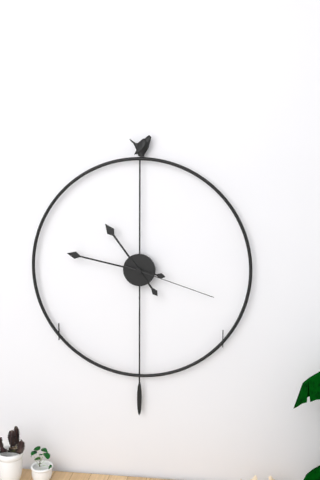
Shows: 10:47:18
